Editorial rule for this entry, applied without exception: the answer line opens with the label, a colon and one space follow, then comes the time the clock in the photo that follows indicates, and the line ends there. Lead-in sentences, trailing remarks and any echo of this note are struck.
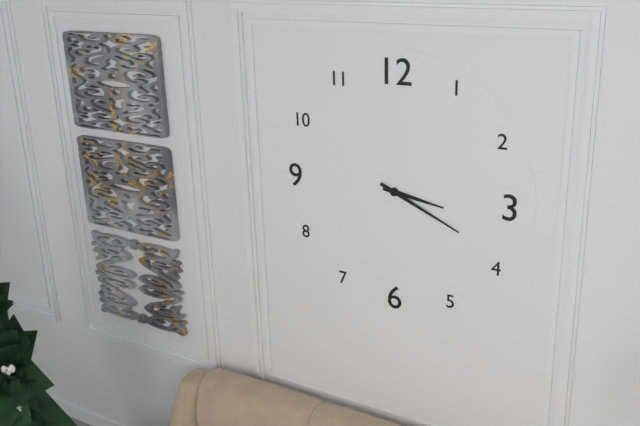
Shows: 3:19
